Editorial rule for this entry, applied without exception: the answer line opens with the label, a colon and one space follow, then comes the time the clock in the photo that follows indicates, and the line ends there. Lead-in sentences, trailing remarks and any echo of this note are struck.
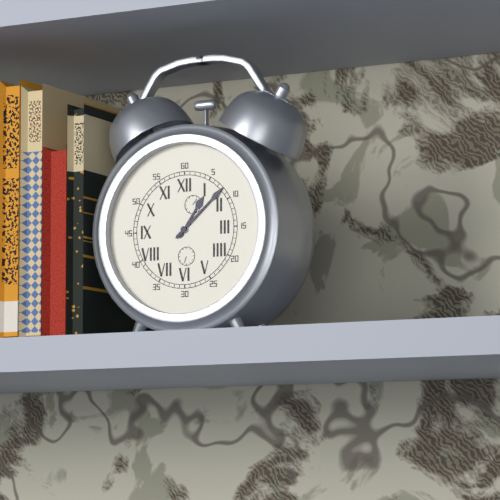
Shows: 1:08
